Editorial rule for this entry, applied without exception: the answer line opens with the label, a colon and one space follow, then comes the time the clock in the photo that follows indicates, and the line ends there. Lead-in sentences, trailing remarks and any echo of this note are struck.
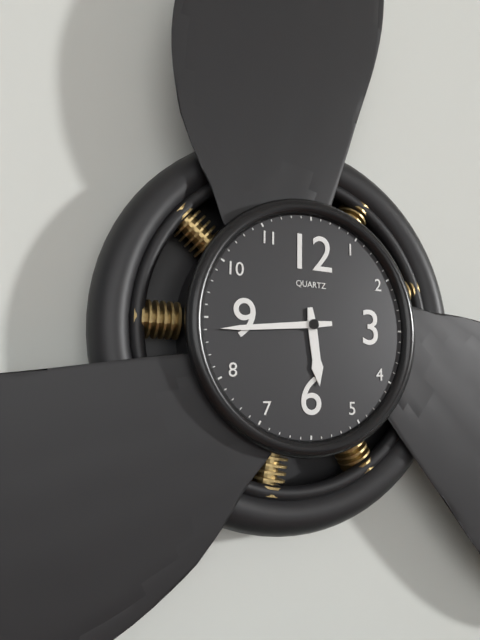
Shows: 5:44
